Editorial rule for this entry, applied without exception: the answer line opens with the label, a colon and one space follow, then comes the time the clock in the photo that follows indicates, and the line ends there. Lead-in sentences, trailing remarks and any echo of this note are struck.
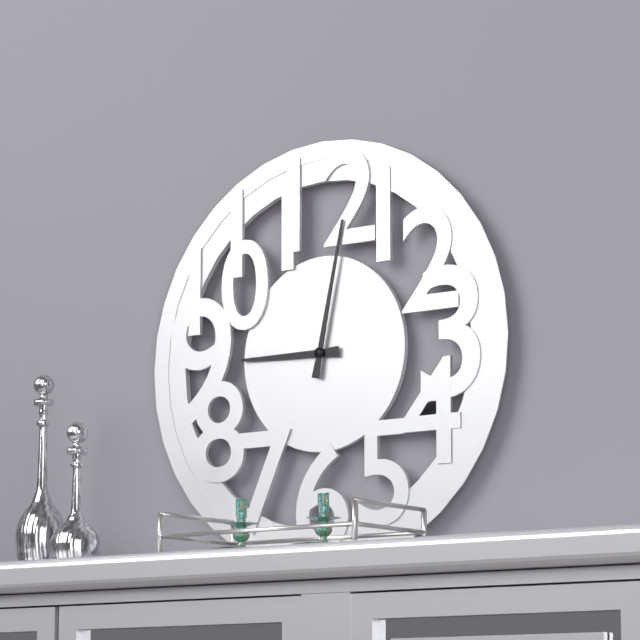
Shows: 9:02
